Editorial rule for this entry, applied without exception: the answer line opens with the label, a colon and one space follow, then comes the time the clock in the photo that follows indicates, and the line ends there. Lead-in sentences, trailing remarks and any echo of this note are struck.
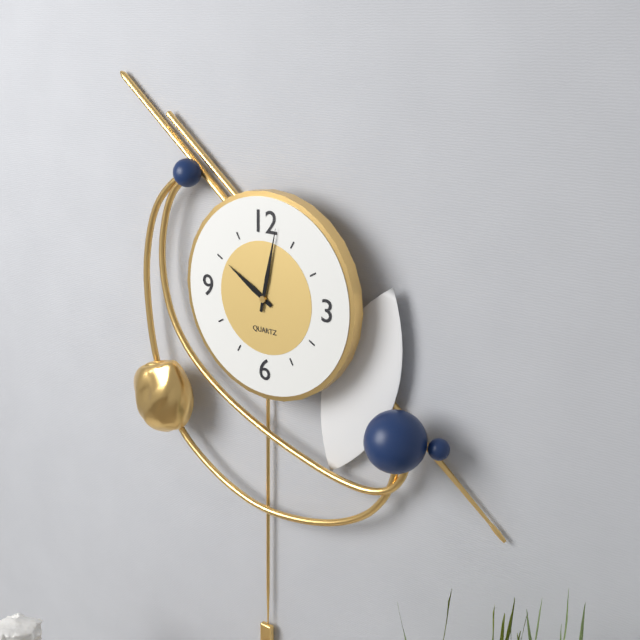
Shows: 10:02
